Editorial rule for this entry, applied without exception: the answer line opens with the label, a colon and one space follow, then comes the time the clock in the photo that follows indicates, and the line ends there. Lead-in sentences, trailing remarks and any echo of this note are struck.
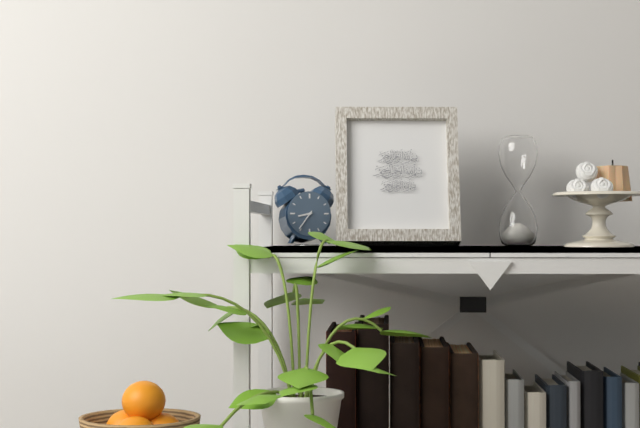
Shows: 8:36
